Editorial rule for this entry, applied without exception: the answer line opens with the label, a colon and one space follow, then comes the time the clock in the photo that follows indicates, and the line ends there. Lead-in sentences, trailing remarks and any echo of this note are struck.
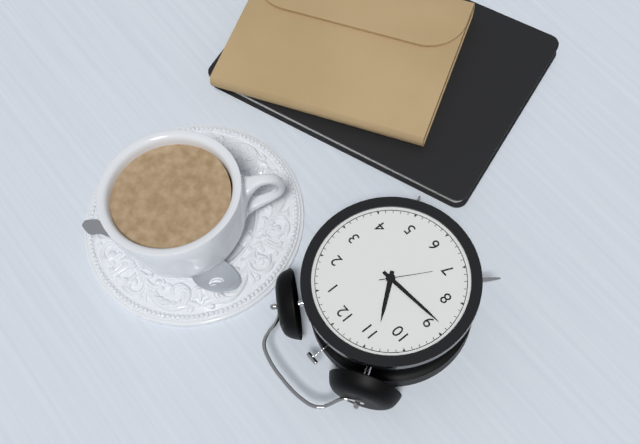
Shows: 10:44:35
